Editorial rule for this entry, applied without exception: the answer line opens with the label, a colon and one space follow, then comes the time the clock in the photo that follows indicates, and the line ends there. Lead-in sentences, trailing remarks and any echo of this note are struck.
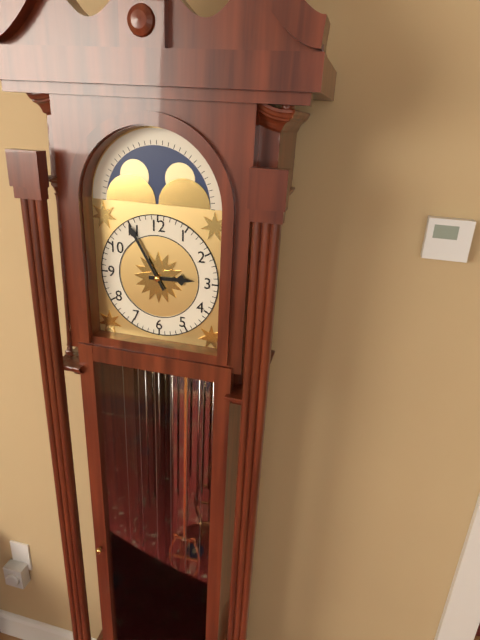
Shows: 2:55
